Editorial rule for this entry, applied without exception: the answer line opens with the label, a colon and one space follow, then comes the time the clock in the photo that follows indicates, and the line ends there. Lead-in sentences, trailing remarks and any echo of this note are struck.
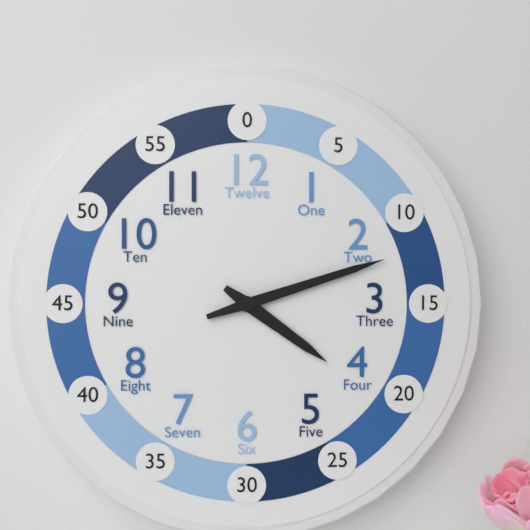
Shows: 4:12
